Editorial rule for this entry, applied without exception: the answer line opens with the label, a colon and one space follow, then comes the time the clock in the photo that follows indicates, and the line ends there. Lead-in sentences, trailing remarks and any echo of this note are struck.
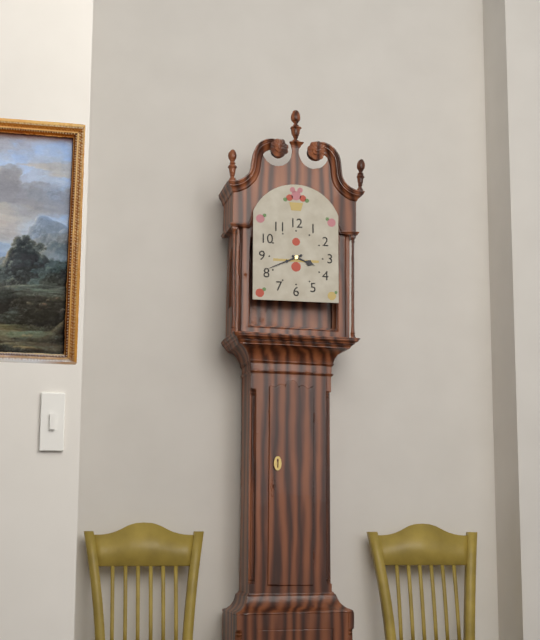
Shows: 3:41
